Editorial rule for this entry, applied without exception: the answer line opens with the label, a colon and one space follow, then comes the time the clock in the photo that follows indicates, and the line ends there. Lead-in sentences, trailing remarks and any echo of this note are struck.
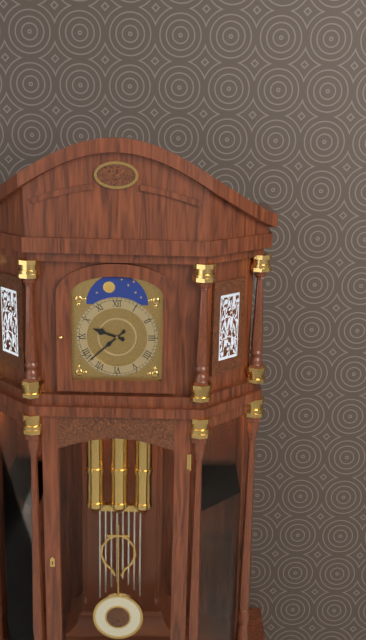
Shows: 9:38
